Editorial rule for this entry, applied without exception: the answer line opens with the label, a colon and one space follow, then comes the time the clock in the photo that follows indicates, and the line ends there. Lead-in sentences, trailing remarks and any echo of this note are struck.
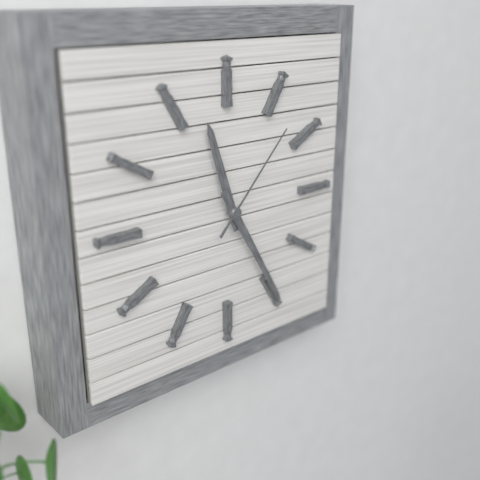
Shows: 11:25:07
